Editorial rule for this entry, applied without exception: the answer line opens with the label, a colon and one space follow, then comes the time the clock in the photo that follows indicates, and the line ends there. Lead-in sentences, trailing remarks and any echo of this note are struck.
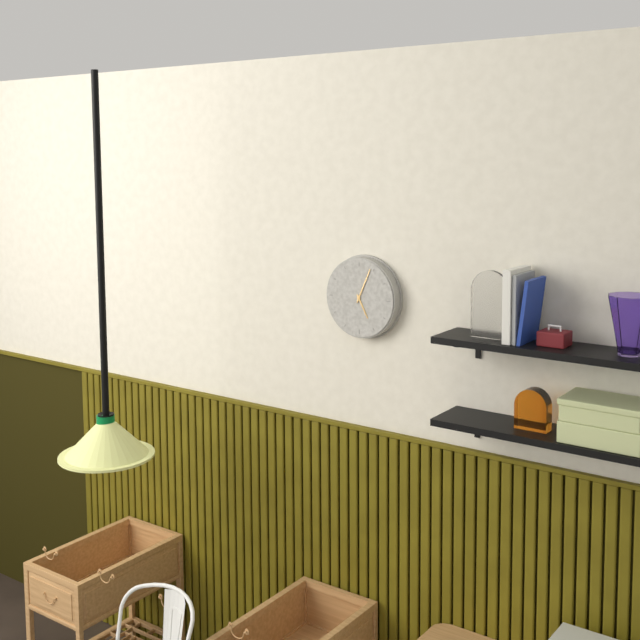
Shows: 5:04
